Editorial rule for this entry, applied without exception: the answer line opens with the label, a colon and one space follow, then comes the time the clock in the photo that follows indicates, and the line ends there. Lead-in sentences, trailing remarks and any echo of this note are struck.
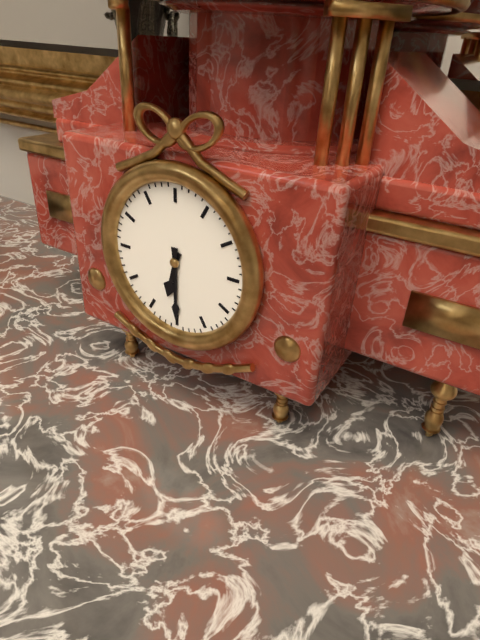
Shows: 6:30
